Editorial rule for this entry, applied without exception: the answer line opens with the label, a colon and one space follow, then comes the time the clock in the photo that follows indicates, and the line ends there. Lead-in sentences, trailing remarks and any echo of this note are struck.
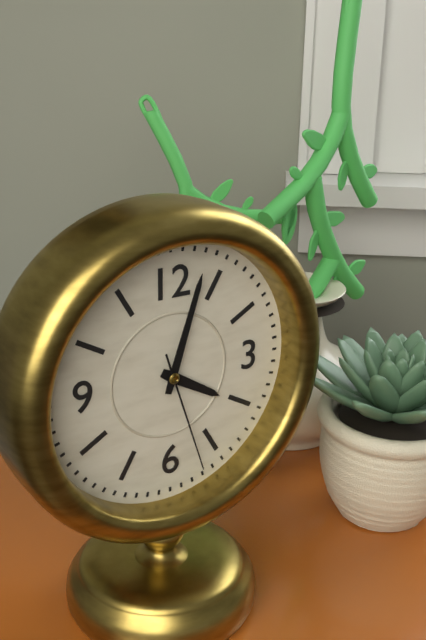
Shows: 4:03:27
